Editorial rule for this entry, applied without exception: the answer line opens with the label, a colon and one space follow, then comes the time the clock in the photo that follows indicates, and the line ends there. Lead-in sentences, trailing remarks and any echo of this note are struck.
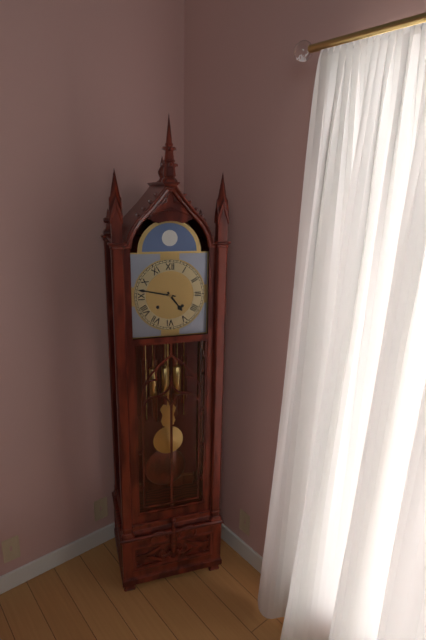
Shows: 4:47
